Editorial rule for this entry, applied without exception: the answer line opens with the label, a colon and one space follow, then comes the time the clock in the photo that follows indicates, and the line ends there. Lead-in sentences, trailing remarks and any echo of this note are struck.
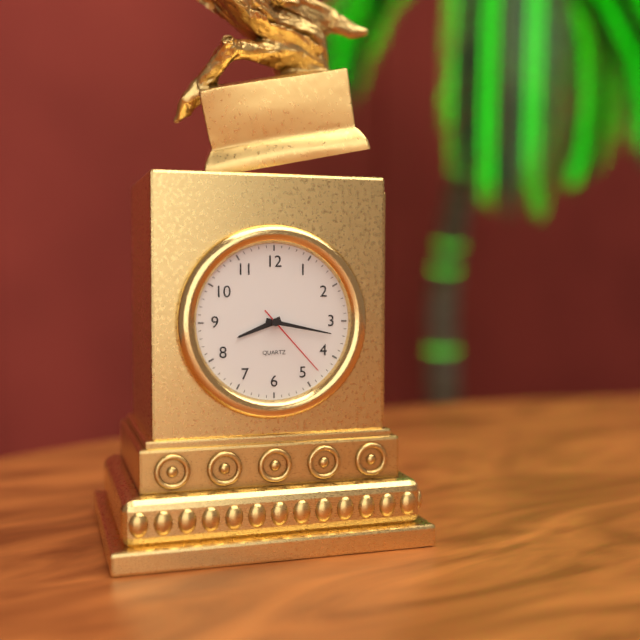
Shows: 8:17:23
